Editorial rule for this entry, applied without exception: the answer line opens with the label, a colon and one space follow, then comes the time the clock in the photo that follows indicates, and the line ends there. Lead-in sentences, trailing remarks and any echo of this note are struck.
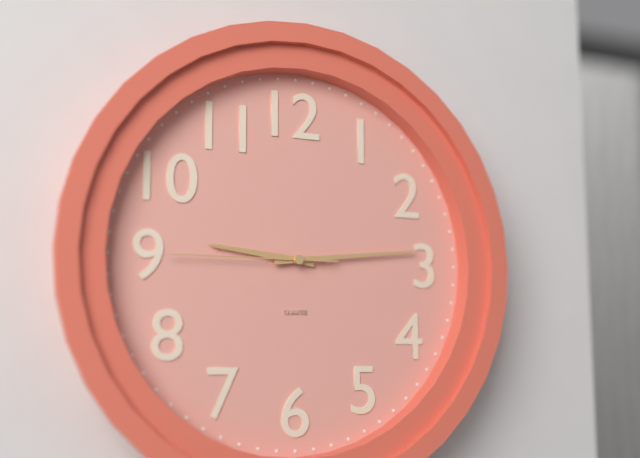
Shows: 9:14:45
